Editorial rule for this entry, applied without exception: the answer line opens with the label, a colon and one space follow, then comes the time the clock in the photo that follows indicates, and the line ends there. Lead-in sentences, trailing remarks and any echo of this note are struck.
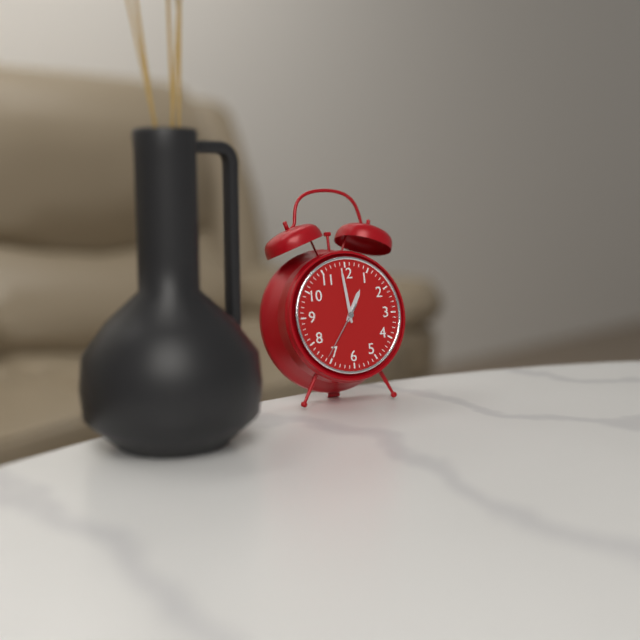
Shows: 12:59:36
